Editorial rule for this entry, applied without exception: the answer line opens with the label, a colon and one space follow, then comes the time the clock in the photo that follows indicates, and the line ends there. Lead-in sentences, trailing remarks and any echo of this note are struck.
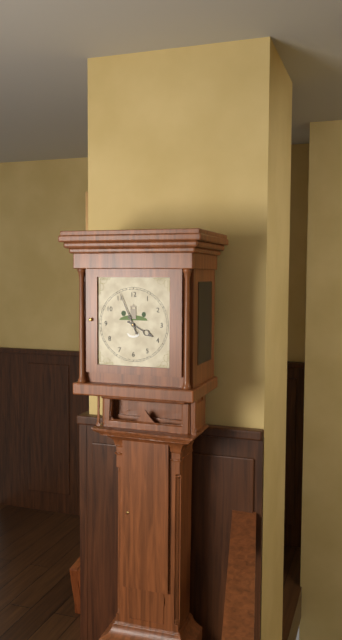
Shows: 3:56
